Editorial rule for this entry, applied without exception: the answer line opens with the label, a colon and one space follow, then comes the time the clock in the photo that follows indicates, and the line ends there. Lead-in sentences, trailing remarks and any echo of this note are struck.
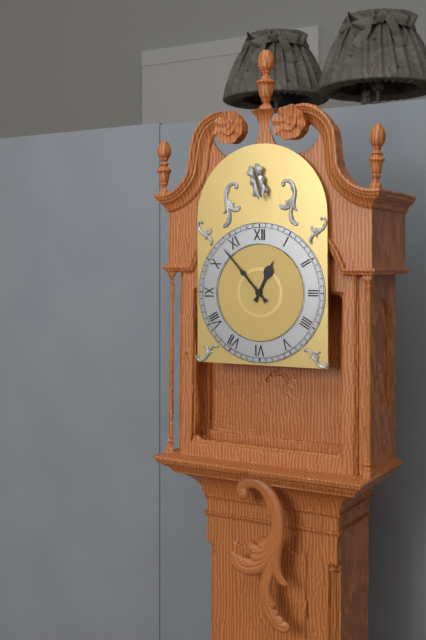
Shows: 12:53
